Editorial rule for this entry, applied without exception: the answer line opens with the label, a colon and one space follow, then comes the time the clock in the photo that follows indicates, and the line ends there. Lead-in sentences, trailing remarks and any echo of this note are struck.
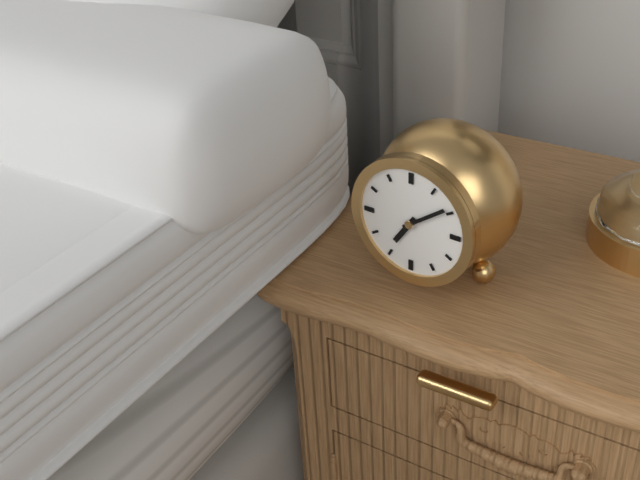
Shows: 7:09
